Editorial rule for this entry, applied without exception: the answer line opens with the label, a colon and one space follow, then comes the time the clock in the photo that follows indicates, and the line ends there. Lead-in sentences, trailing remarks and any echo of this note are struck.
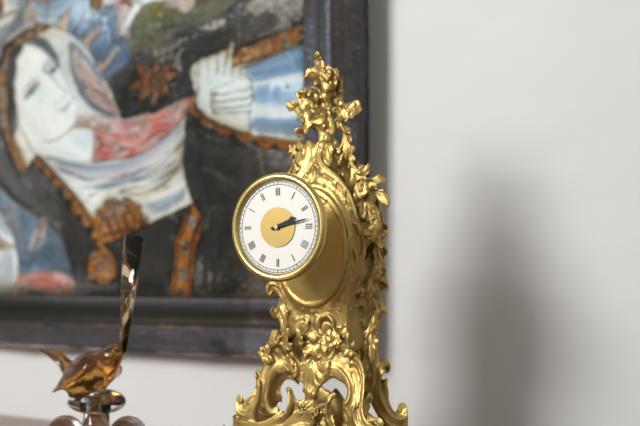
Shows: 2:13
